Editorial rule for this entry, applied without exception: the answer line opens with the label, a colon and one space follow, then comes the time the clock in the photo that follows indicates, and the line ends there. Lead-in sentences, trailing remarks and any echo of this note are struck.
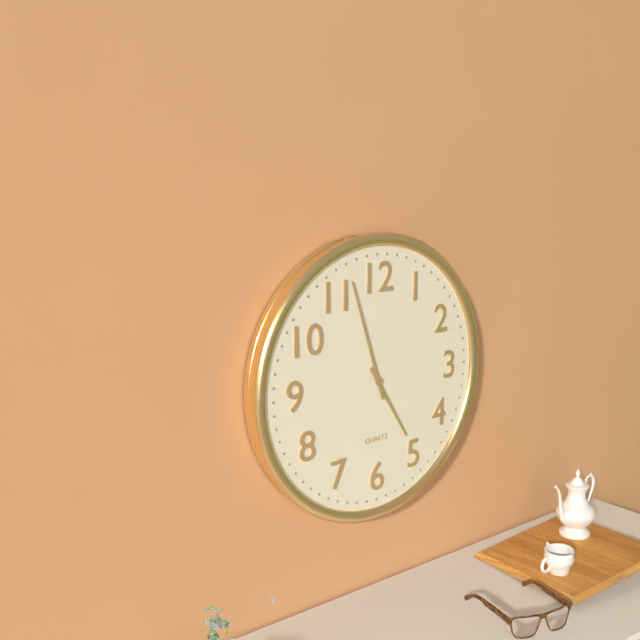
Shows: 4:57
